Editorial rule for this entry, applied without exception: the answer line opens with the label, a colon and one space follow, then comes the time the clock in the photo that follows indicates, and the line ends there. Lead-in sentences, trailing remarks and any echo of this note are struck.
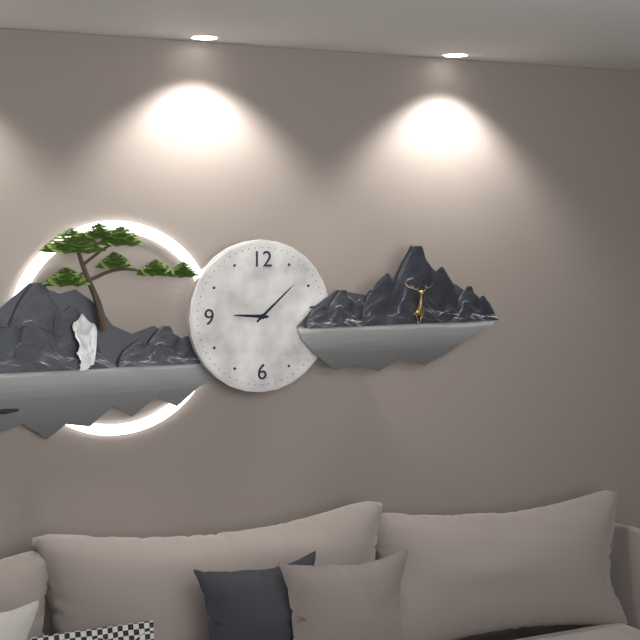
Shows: 9:08
